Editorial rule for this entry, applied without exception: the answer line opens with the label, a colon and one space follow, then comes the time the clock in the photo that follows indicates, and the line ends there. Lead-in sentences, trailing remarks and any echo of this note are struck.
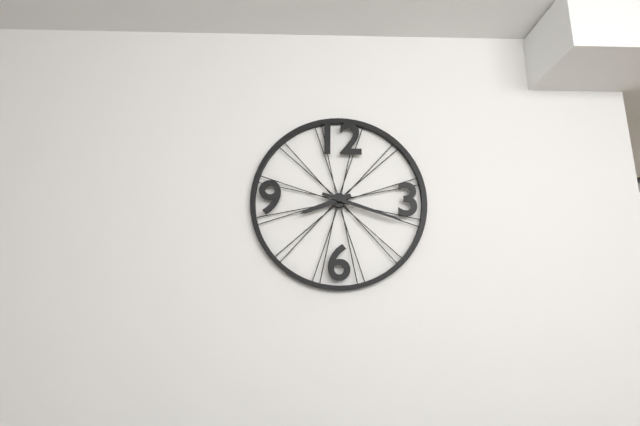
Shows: 8:18
